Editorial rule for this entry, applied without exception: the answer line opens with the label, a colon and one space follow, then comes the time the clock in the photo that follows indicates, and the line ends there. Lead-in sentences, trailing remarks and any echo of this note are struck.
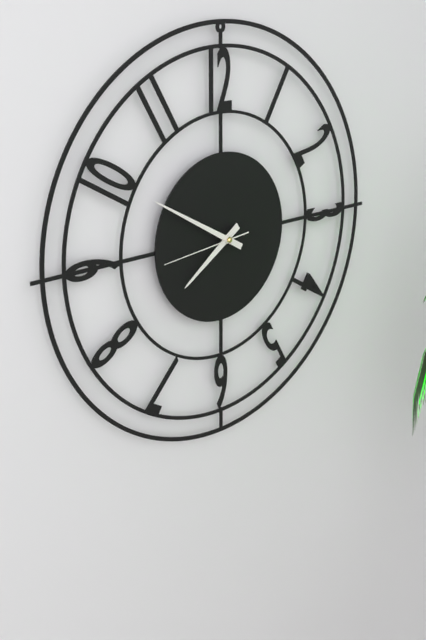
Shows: 7:50:44
